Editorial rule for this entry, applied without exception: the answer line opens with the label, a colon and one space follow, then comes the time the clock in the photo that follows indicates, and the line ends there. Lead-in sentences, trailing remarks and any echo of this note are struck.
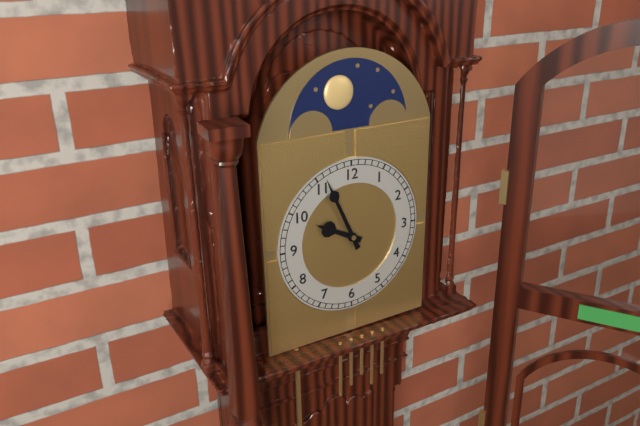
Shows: 9:56
